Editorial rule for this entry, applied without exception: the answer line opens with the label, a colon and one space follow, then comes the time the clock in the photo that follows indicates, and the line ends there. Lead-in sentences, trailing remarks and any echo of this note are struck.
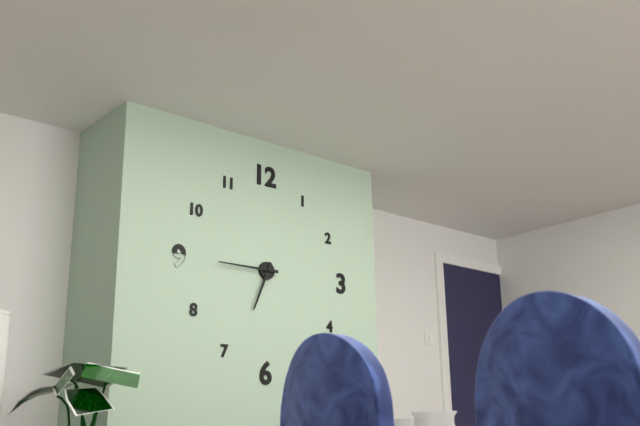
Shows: 6:45
